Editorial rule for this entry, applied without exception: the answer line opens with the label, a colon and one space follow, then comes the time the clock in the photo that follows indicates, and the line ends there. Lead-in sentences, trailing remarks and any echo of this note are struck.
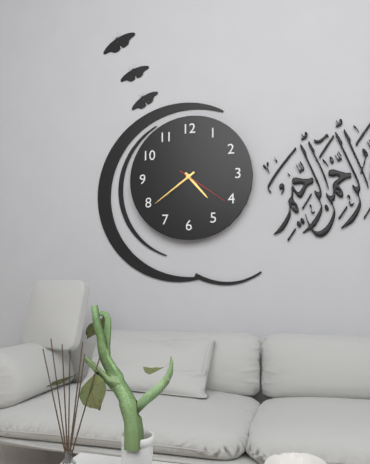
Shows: 4:39:21
